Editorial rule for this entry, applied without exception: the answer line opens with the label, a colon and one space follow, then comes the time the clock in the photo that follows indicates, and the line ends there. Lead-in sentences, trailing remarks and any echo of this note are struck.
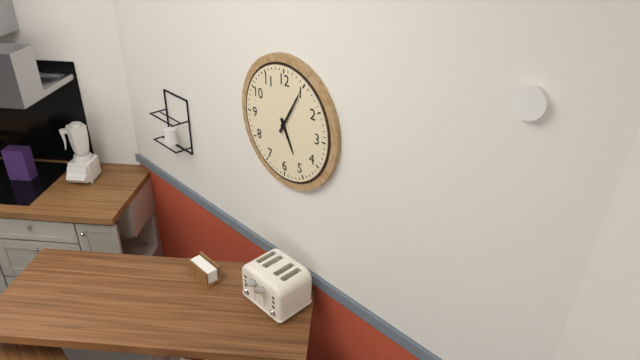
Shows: 5:05
